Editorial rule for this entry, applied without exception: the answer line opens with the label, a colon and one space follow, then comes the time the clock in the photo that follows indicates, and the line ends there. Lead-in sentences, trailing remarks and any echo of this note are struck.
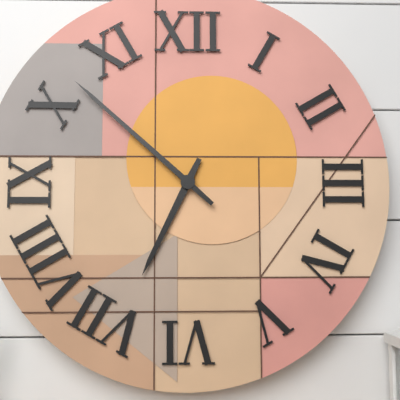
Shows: 6:52
